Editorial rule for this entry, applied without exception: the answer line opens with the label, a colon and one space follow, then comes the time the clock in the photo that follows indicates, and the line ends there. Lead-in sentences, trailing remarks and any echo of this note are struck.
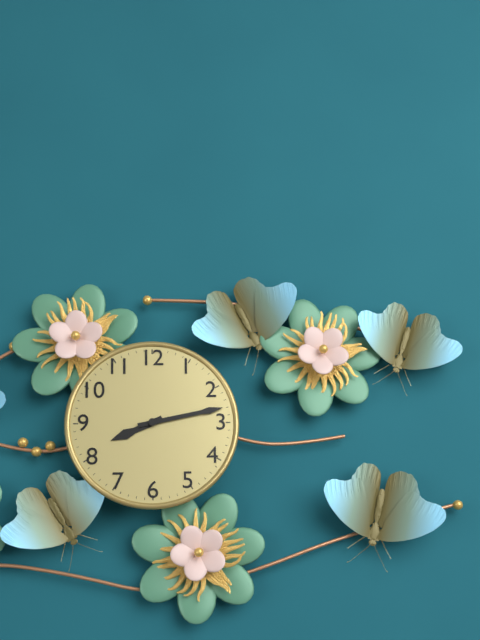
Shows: 8:13
